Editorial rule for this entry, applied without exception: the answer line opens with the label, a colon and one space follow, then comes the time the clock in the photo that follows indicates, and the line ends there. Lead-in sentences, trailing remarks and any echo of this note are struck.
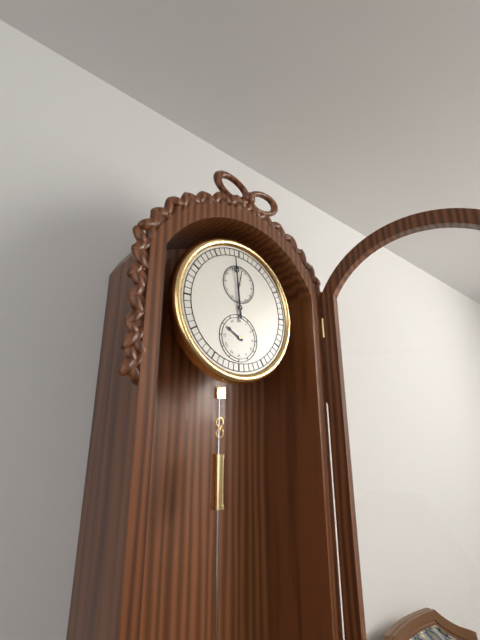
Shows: 9:59
